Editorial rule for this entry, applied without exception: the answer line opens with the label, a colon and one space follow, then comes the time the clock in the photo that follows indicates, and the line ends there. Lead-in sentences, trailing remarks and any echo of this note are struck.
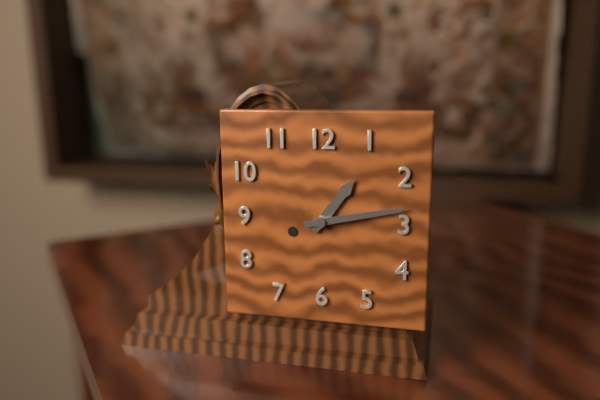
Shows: 1:13
